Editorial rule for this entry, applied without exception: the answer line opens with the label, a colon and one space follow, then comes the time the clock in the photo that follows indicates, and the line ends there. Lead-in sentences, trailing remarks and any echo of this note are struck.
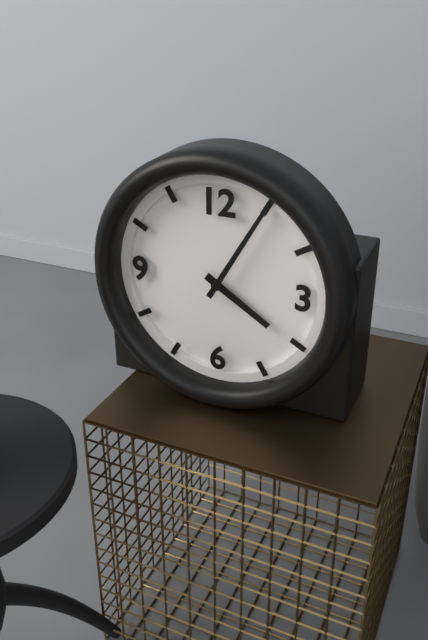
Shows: 4:05
